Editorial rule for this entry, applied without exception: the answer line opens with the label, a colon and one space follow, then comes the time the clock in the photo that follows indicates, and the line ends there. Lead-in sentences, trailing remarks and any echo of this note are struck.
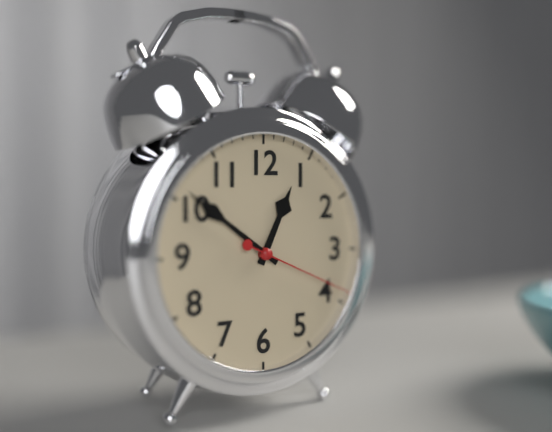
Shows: 12:51:19
